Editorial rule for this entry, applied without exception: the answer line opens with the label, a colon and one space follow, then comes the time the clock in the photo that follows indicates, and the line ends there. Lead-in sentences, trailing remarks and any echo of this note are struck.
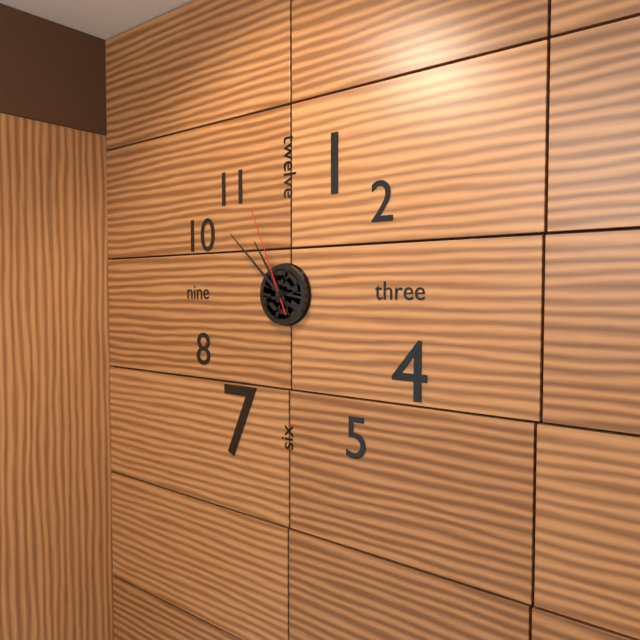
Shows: 10:52:56
